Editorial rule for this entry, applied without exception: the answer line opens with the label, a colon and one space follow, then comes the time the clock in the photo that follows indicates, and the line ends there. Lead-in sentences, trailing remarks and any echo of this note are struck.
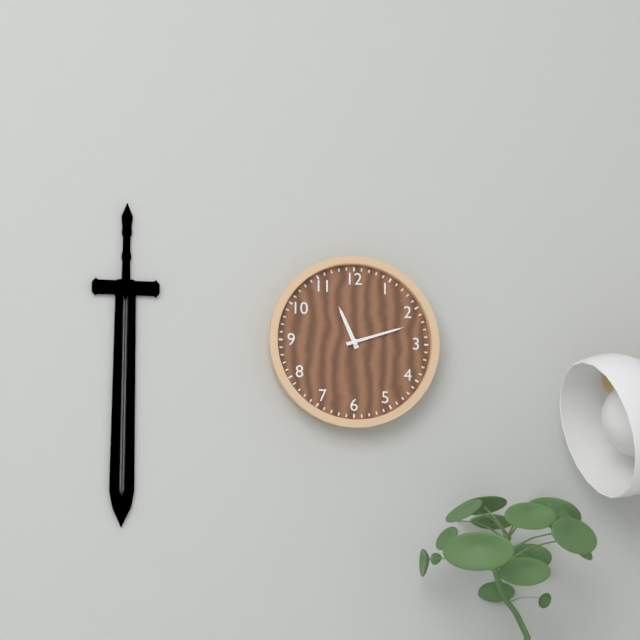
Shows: 11:12
